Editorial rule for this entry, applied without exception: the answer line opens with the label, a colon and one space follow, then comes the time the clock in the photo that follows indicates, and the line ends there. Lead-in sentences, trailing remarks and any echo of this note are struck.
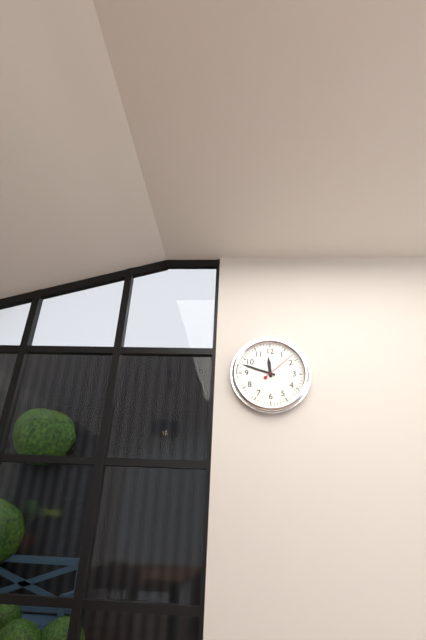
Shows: 11:48
